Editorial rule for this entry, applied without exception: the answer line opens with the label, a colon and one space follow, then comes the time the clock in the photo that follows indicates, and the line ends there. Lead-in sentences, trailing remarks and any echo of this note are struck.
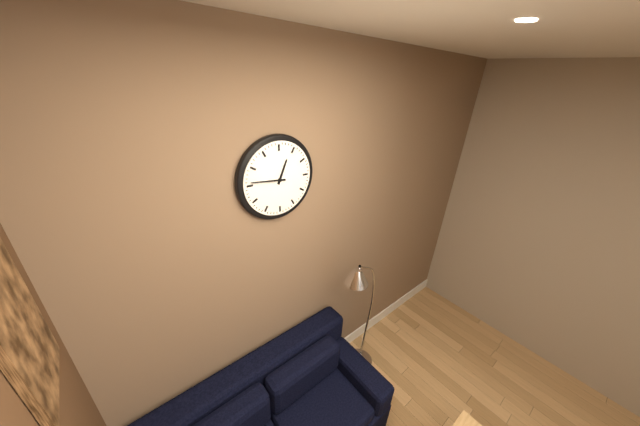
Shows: 12:46
